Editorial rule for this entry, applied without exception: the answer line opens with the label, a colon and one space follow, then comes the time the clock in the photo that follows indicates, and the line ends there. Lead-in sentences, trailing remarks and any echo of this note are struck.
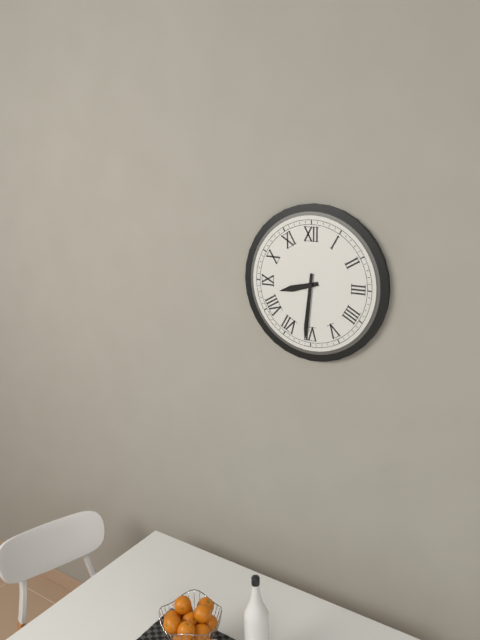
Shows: 8:31
